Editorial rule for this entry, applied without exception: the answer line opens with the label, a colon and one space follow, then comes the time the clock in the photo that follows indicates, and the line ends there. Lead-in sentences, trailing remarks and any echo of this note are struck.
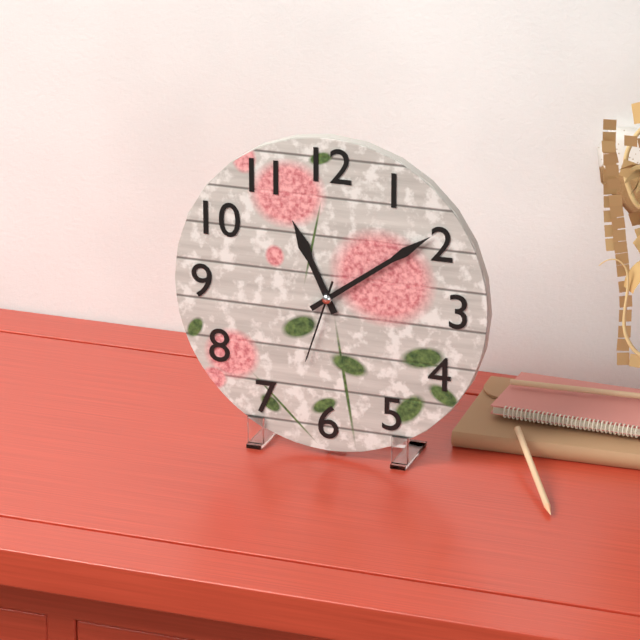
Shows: 11:09:33
